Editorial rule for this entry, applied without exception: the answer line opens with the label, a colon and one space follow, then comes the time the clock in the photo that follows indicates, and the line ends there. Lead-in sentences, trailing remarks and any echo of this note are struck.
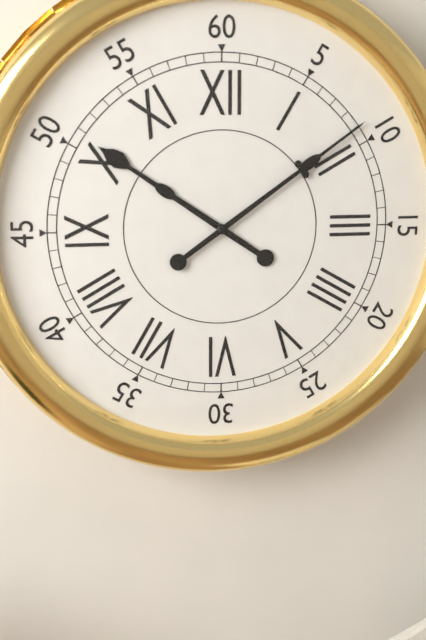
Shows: 10:09
